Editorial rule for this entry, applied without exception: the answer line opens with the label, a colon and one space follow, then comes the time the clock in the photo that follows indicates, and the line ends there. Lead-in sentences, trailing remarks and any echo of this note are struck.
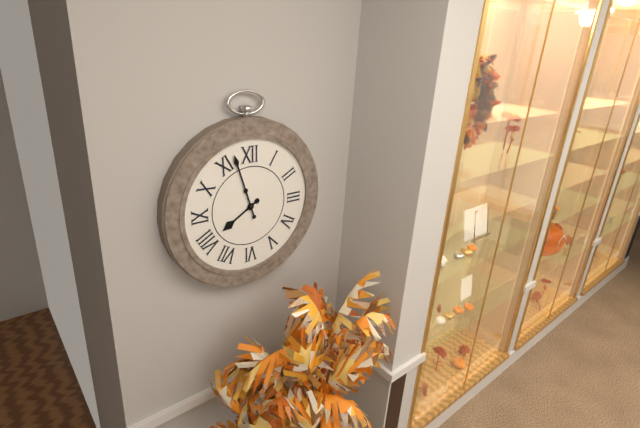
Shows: 7:57
